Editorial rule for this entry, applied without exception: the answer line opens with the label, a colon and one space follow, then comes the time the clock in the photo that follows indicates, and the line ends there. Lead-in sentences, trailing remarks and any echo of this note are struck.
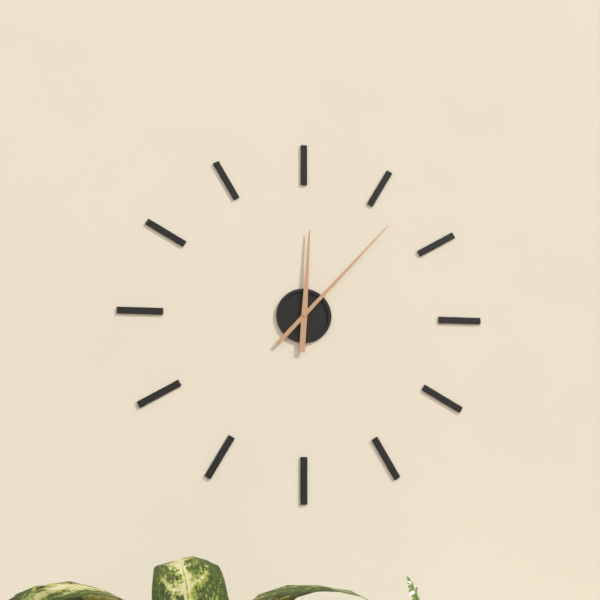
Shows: 12:07
